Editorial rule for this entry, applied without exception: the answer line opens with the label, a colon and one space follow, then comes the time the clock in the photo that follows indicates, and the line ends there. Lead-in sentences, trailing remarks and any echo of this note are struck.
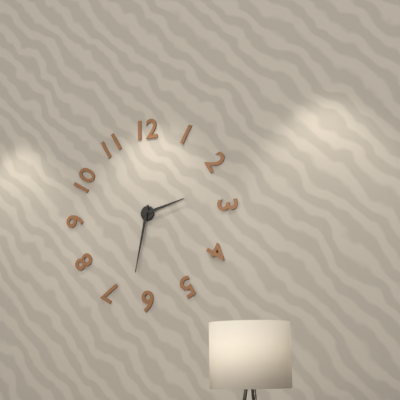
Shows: 2:32
